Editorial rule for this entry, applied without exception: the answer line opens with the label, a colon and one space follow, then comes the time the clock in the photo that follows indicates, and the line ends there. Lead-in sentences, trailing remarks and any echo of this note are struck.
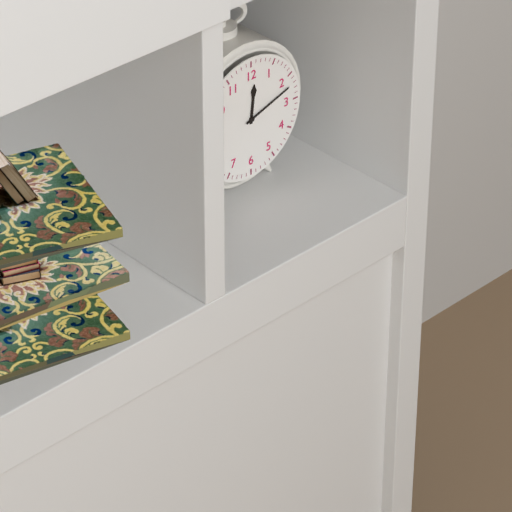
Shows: 12:12
